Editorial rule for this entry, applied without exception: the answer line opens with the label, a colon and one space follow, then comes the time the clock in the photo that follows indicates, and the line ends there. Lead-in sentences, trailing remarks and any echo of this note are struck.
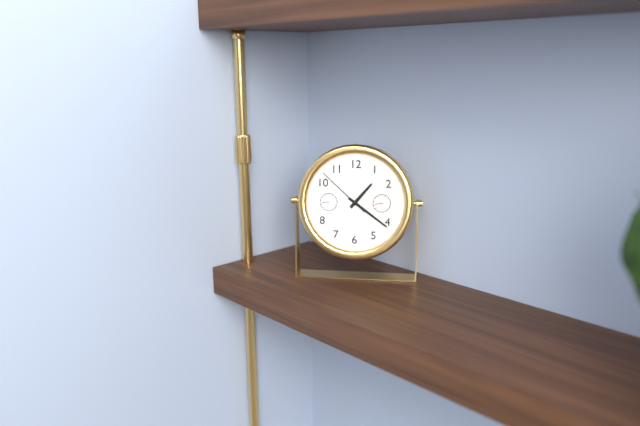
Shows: 1:21:52
